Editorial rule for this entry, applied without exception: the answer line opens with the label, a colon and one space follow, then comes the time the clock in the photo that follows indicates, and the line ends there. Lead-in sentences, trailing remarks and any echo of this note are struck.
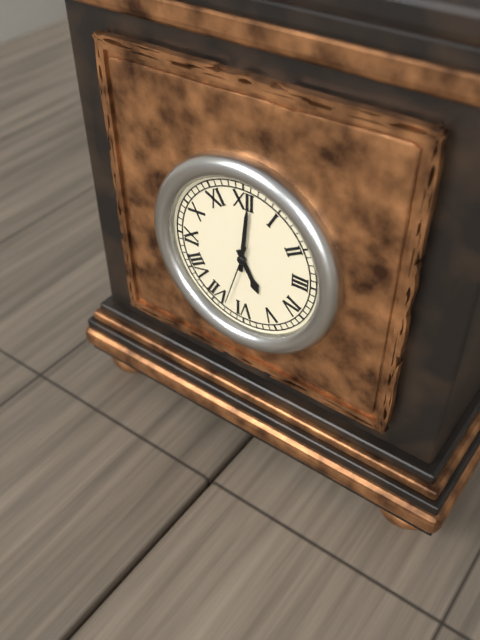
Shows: 5:01:33
